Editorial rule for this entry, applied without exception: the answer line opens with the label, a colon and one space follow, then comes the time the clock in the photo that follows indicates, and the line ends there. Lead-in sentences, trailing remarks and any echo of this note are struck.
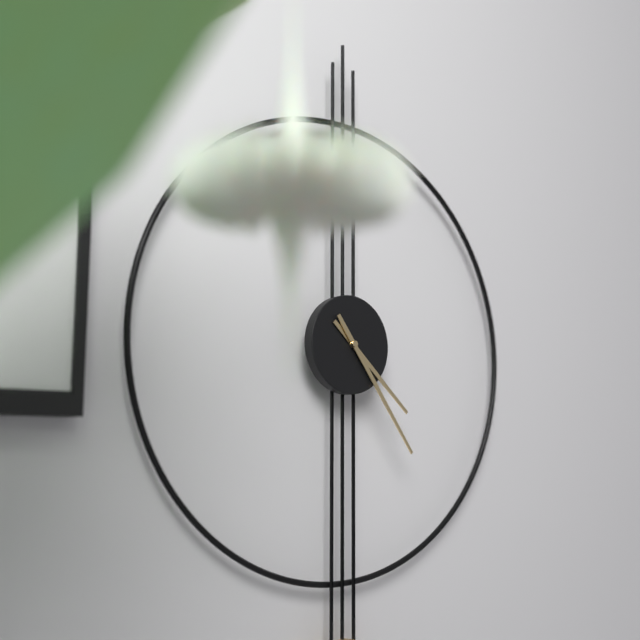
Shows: 4:24
